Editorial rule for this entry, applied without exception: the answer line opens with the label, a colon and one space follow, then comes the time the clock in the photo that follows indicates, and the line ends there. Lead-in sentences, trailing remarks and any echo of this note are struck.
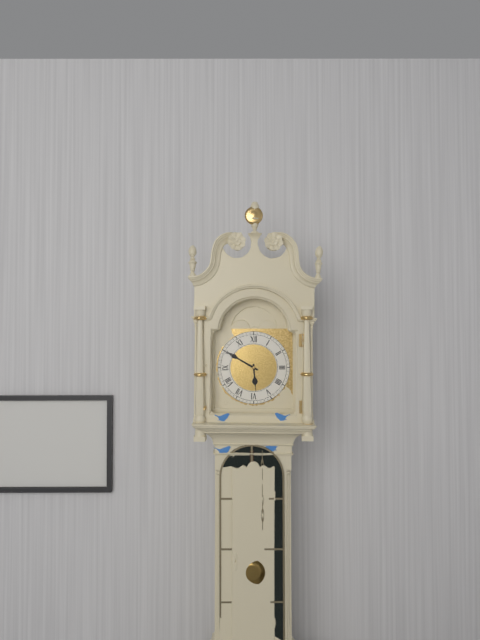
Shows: 5:50
